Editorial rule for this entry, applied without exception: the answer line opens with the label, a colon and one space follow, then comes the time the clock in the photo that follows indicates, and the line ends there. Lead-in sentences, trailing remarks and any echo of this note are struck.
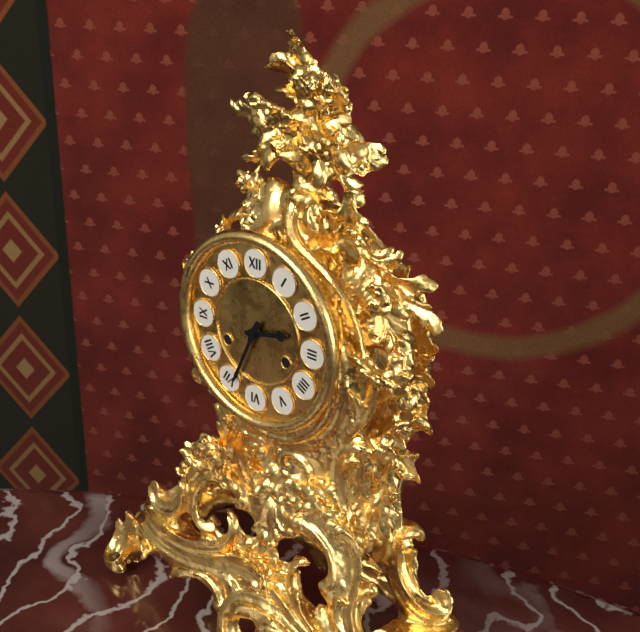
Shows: 2:34
